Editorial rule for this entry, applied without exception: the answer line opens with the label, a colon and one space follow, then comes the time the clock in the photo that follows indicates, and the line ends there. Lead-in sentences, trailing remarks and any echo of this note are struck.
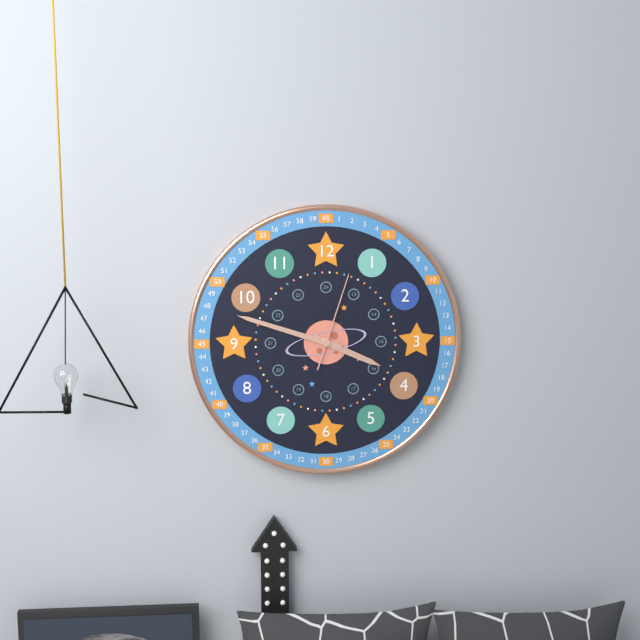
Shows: 3:48:03
